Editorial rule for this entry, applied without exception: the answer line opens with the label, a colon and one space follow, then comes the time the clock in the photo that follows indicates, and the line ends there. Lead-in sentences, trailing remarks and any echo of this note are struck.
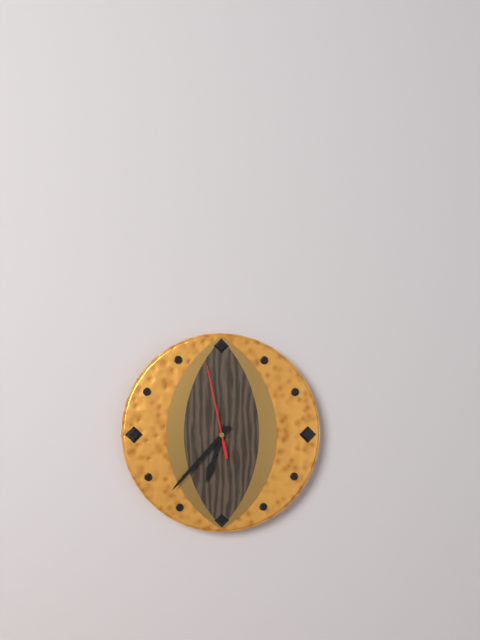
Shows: 6:37:58
